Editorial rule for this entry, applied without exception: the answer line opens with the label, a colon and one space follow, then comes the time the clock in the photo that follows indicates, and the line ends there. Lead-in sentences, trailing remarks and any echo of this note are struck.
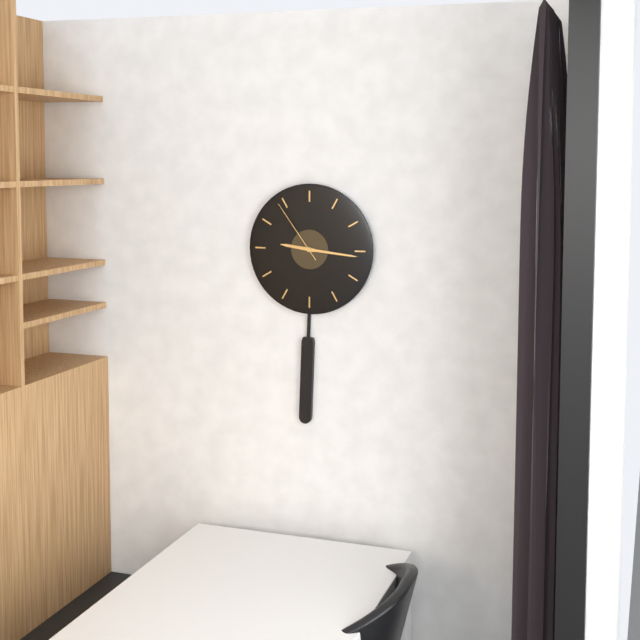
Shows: 9:16:54
